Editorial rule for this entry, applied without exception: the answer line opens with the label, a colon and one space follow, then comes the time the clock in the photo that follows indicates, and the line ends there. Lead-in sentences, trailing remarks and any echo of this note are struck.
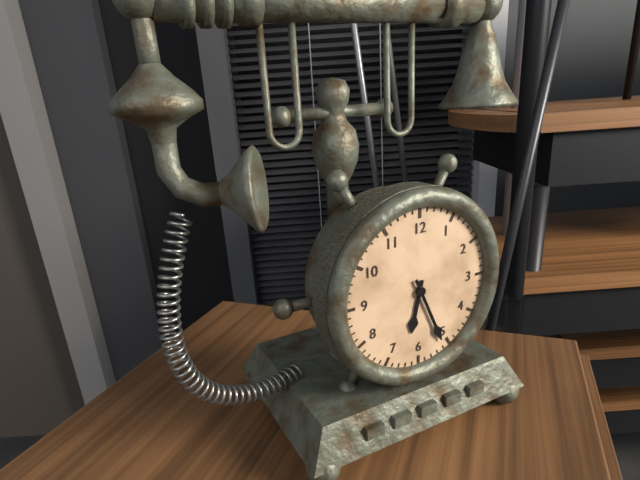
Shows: 6:26
